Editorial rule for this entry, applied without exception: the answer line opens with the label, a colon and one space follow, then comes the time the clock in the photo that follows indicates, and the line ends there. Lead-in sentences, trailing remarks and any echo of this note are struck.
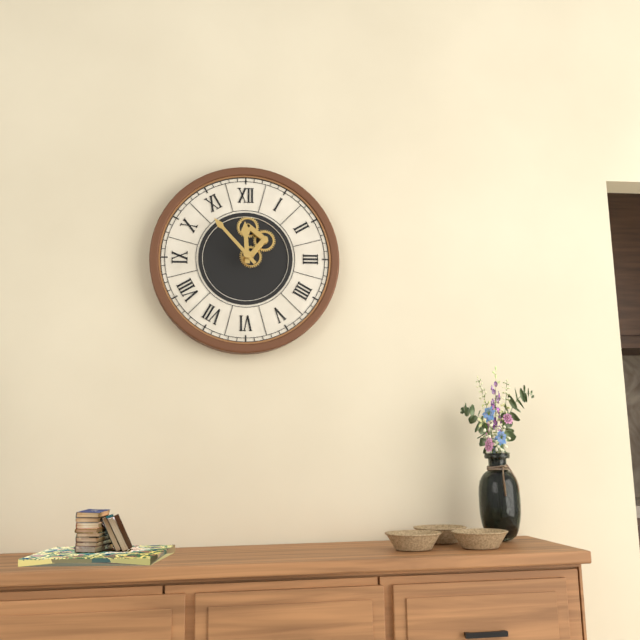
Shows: 11:53
